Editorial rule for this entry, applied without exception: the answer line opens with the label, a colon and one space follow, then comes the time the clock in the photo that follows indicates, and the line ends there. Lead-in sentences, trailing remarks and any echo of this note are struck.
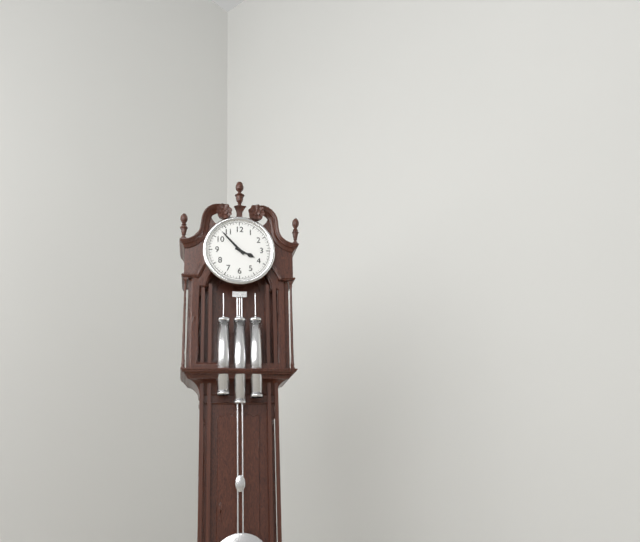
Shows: 3:53
